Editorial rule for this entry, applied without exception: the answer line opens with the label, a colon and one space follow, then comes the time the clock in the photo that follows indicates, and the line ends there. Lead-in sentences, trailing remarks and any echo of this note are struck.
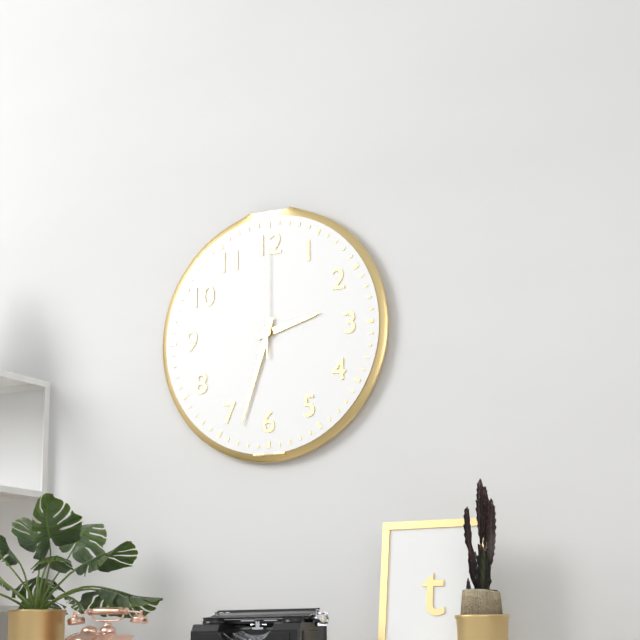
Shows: 2:33:00
